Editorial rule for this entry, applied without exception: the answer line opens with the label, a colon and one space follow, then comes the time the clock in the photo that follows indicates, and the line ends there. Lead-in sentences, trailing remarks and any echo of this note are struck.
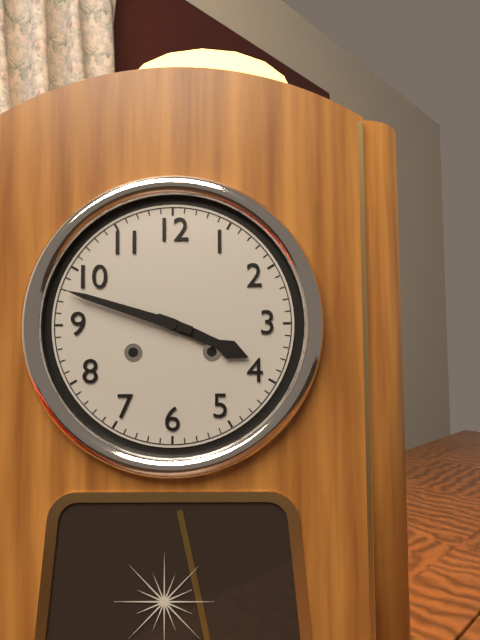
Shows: 3:48
